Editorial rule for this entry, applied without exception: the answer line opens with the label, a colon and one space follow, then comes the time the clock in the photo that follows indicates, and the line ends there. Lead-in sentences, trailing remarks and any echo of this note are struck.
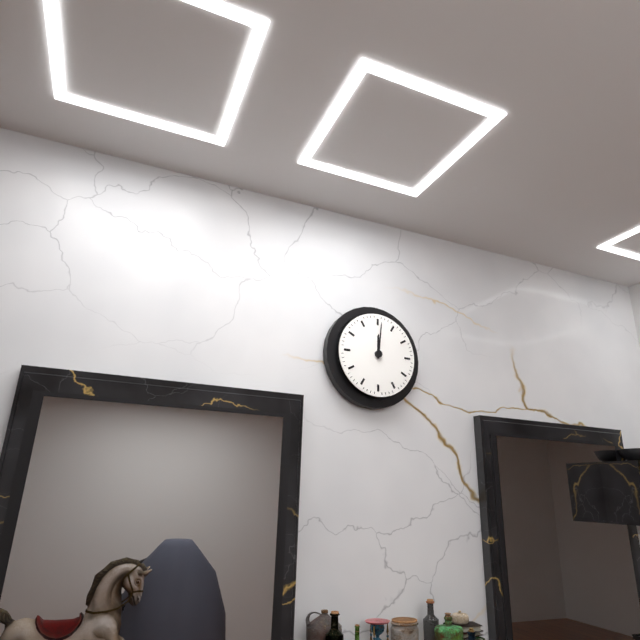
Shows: 12:01
